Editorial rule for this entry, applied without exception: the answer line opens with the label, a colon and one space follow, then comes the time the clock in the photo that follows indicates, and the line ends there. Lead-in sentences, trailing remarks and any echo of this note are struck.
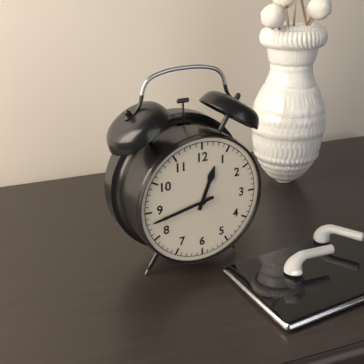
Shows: 12:43
